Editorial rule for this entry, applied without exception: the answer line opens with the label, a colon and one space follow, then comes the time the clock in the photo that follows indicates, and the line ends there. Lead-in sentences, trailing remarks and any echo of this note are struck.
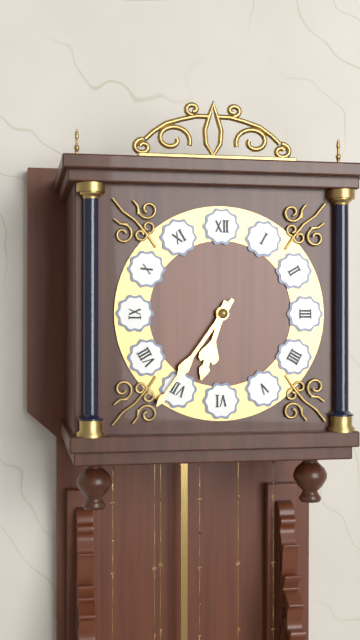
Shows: 6:36
